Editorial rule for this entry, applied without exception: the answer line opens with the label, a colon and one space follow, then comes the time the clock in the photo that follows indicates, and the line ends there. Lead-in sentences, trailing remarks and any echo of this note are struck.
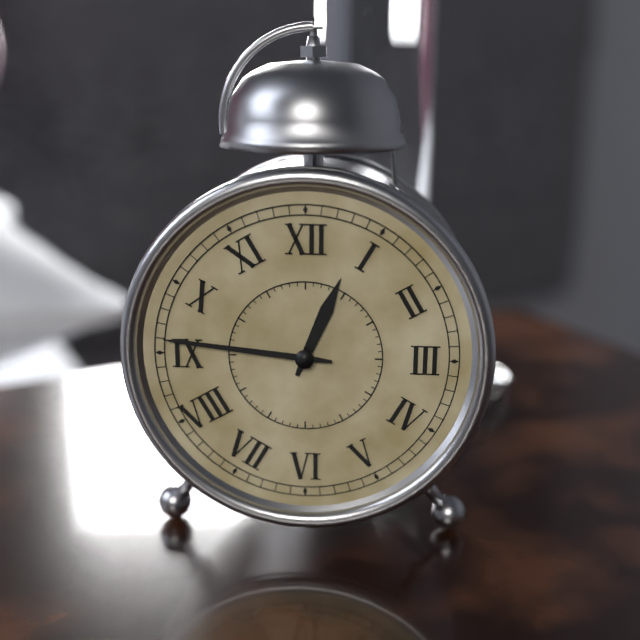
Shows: 12:46
